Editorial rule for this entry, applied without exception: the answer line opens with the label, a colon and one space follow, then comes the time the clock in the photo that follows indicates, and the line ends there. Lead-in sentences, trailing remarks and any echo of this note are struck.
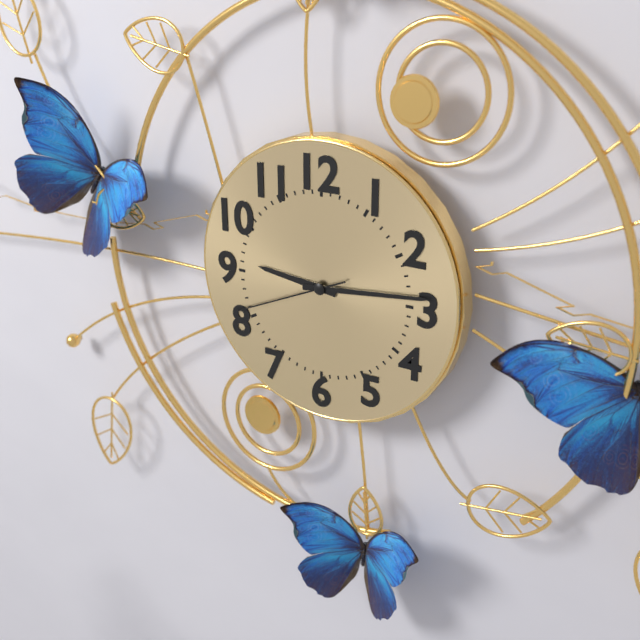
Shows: 9:14:41
